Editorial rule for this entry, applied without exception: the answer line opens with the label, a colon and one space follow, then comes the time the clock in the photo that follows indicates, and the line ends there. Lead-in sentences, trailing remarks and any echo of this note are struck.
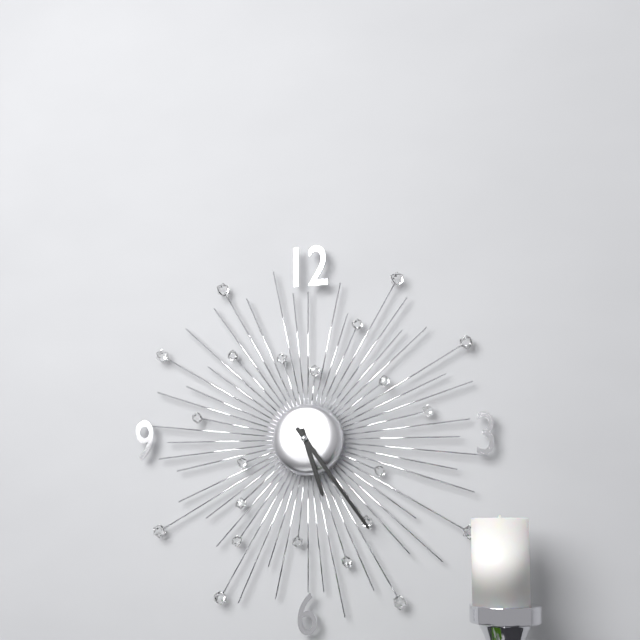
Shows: 5:24
